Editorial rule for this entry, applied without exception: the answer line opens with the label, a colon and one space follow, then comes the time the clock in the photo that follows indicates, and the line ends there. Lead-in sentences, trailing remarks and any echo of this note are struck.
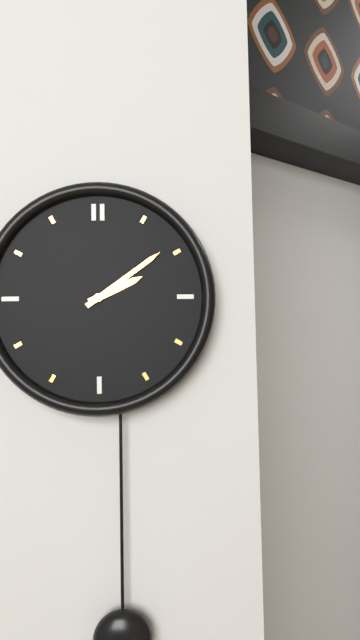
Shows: 2:09
